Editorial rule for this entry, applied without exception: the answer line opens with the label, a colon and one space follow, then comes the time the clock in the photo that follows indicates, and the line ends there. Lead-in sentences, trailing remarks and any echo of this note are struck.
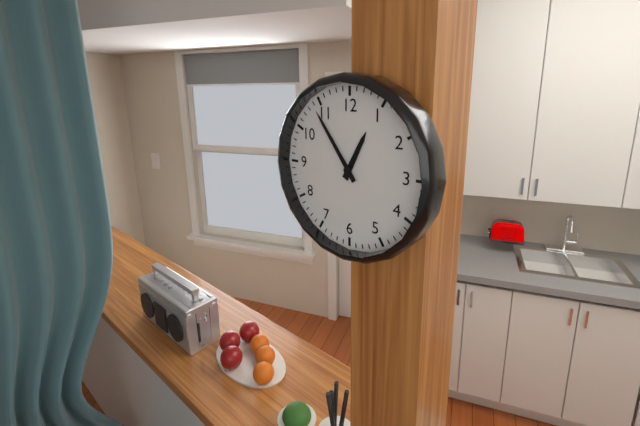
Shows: 12:54
